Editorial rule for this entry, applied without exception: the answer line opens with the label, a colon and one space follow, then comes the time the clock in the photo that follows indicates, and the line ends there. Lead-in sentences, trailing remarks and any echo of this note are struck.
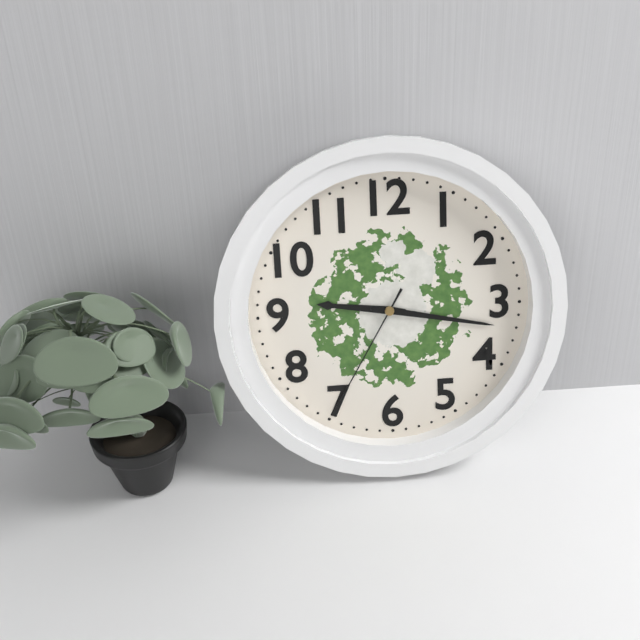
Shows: 9:17:35
